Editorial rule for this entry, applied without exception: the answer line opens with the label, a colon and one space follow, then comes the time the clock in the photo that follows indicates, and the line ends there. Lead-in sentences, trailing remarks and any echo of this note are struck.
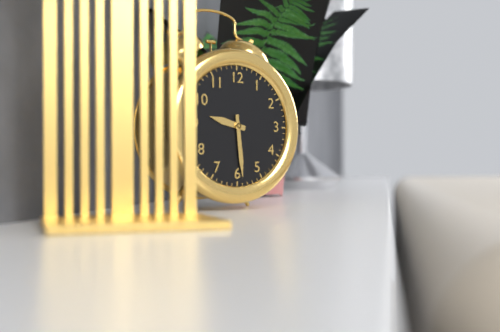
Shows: 9:29
